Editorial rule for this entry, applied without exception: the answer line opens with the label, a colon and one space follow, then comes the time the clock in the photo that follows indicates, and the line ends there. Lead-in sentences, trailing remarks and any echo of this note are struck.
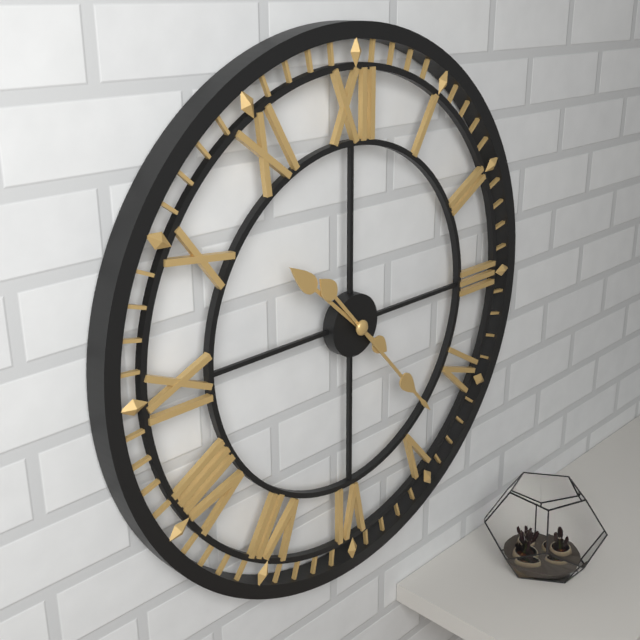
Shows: 10:23
